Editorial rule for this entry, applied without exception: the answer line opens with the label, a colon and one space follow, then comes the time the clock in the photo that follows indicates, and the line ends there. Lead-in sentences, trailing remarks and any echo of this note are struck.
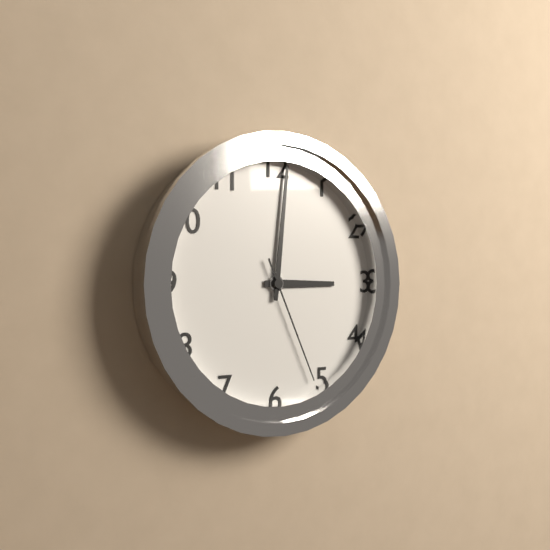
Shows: 3:01:26
